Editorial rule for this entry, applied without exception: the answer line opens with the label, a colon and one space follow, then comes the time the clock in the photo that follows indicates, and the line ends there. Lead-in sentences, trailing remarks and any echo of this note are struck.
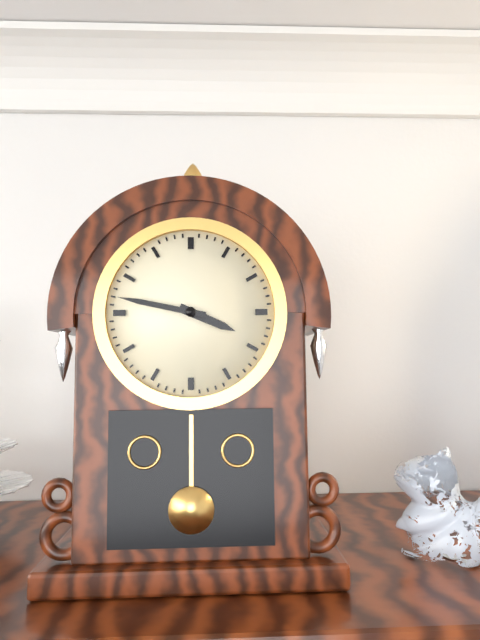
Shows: 3:47
